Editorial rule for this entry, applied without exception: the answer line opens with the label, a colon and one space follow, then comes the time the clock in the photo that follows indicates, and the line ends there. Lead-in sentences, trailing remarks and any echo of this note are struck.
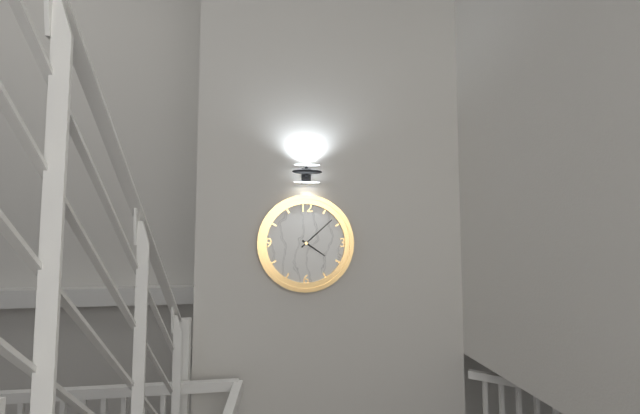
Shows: 4:08
